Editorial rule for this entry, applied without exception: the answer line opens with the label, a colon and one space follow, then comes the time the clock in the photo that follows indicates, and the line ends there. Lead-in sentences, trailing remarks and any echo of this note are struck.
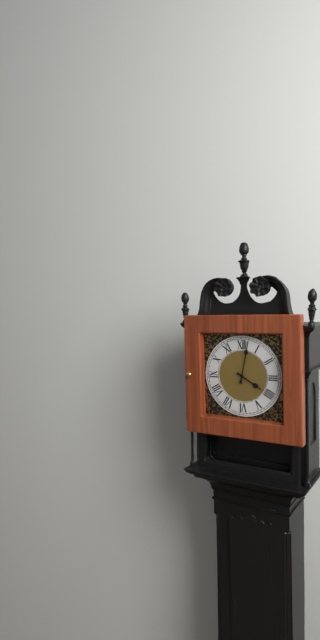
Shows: 4:02
